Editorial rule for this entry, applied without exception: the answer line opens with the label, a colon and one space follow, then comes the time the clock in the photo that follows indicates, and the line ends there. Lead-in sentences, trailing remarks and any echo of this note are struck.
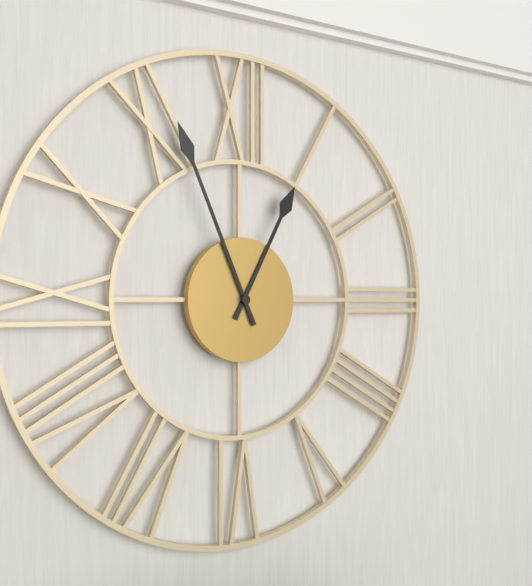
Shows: 12:56
